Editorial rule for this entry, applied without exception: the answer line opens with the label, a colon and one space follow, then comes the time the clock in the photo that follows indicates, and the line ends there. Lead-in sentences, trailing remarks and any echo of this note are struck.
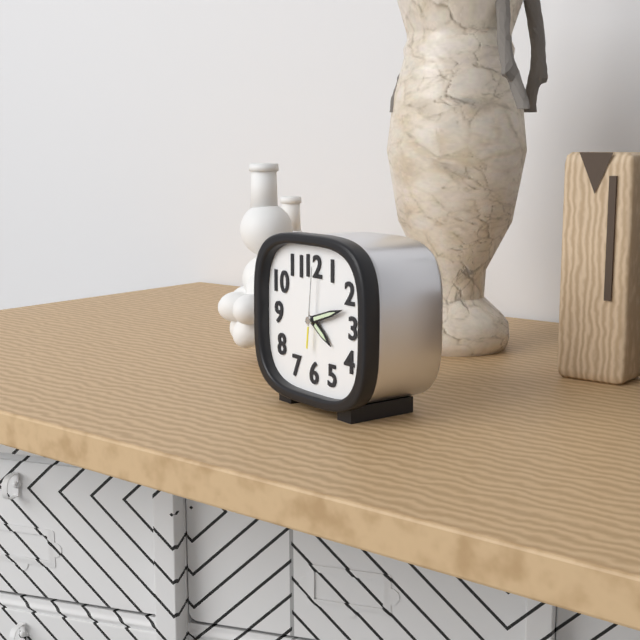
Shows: 4:12:01
